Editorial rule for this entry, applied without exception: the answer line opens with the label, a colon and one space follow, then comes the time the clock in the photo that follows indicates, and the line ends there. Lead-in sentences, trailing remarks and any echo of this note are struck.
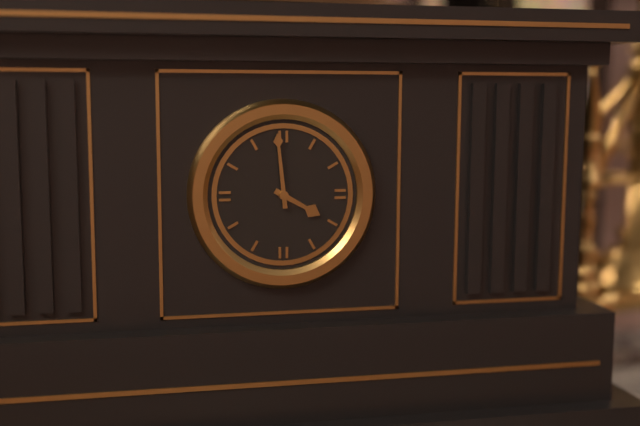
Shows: 3:59
